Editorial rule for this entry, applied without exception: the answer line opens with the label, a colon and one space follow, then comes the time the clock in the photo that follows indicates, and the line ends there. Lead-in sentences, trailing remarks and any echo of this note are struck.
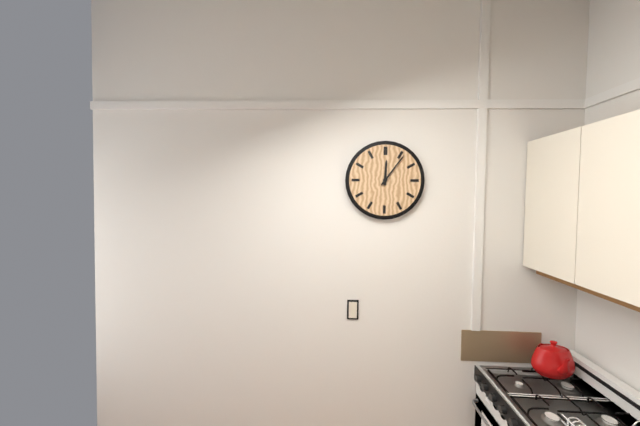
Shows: 12:06
